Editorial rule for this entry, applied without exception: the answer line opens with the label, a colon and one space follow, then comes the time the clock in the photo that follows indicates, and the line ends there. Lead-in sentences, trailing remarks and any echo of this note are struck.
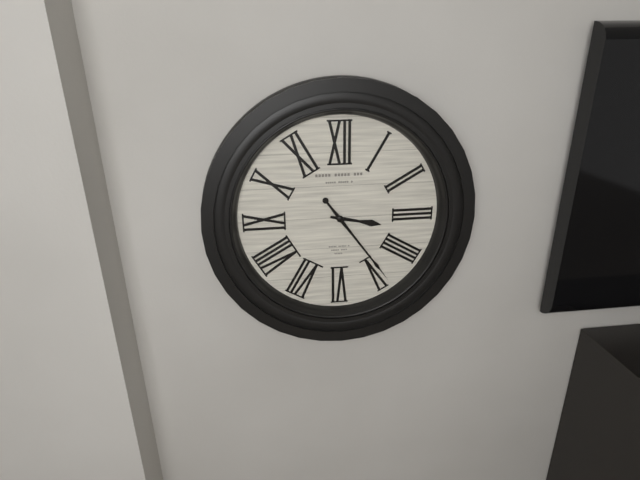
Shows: 3:24
